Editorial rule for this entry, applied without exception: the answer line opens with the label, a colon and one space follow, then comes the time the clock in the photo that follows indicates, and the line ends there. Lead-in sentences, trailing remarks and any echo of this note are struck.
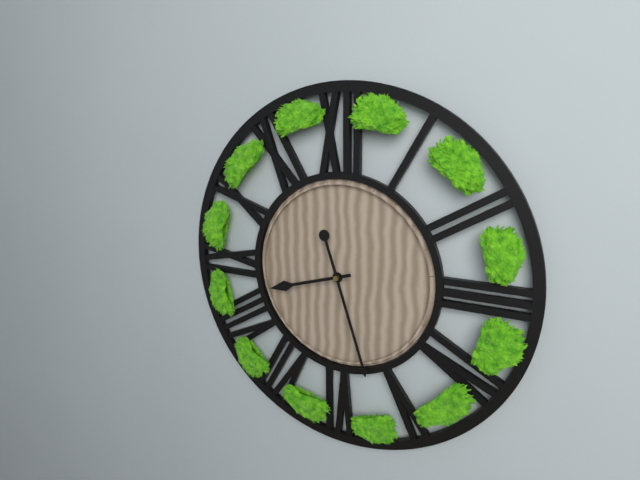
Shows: 8:27
